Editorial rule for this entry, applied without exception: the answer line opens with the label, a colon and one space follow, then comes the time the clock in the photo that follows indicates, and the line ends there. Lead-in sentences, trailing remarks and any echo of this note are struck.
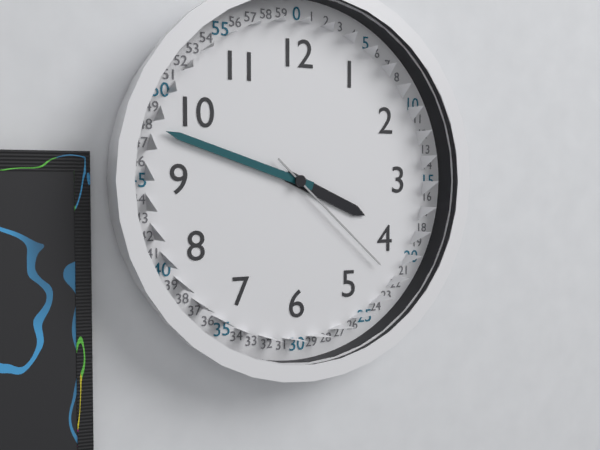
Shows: 3:48:22
